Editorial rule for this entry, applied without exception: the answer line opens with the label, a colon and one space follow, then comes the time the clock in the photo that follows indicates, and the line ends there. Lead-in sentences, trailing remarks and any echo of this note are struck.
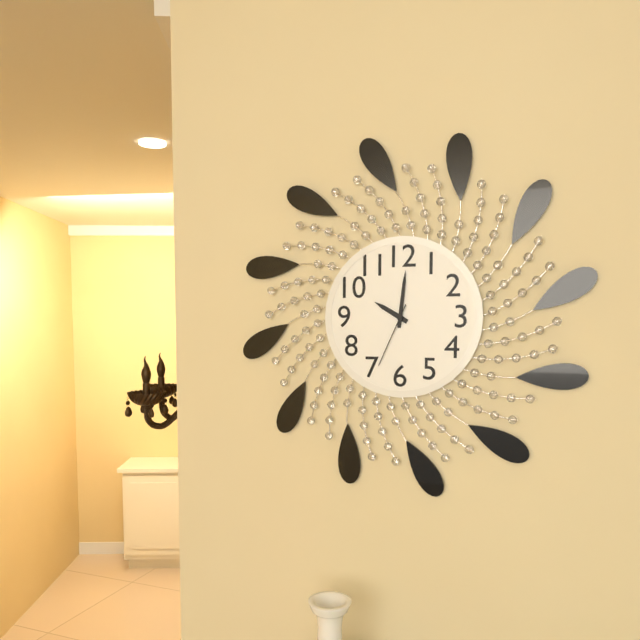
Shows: 10:01:34
